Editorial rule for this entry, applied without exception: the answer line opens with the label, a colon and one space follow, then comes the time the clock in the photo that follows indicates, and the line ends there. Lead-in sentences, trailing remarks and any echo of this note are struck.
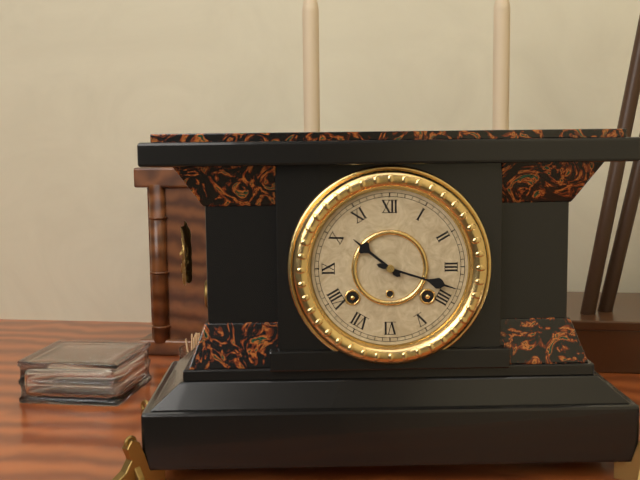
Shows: 10:18
